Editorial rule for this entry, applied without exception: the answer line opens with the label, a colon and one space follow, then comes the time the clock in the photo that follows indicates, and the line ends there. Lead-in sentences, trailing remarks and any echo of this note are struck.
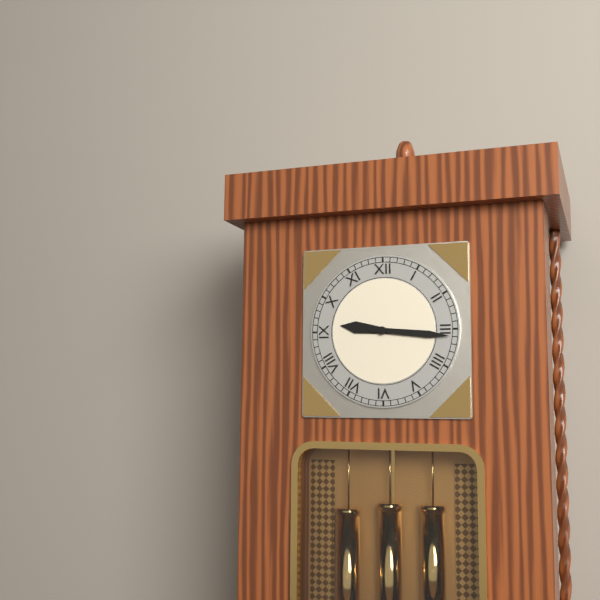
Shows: 9:16
